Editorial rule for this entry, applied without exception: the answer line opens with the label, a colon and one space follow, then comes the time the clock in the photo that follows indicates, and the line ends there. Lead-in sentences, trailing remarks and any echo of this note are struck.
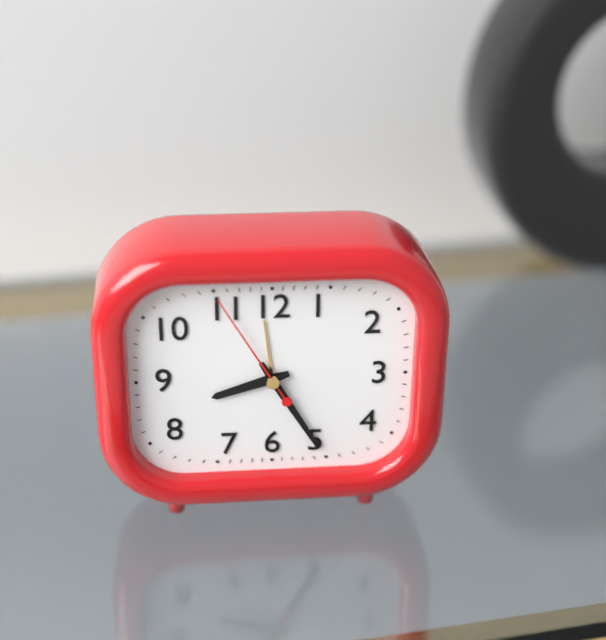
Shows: 8:25:55
